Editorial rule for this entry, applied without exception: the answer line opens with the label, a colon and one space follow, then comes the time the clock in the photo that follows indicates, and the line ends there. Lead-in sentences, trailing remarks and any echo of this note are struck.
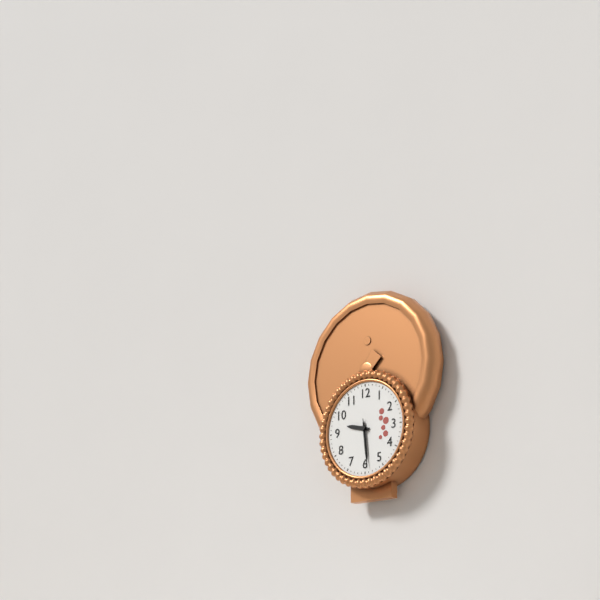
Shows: 9:29
